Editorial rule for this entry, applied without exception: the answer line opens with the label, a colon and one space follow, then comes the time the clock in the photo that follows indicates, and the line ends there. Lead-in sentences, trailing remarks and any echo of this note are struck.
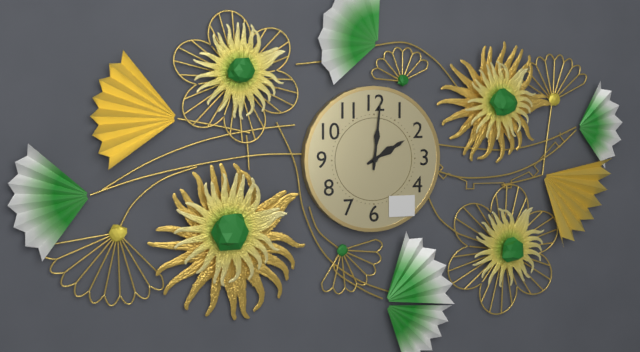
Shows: 2:01
